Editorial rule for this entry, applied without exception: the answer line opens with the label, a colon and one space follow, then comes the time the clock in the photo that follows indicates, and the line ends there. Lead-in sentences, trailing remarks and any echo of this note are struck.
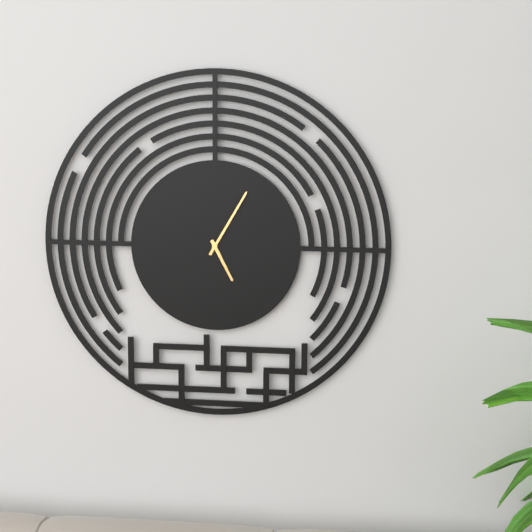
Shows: 5:05
